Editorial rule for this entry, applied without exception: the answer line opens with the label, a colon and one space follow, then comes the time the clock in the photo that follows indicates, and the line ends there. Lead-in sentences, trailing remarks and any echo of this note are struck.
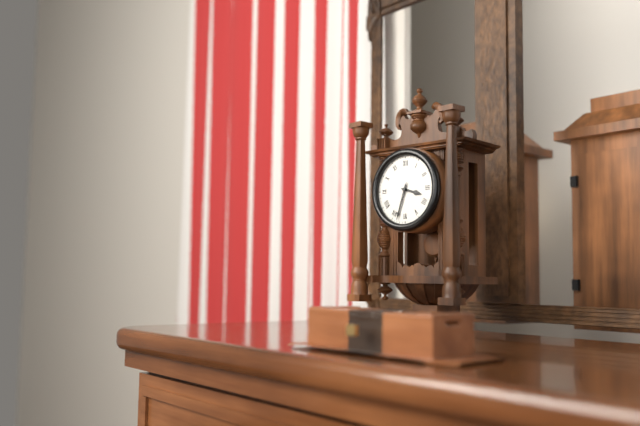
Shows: 3:33
